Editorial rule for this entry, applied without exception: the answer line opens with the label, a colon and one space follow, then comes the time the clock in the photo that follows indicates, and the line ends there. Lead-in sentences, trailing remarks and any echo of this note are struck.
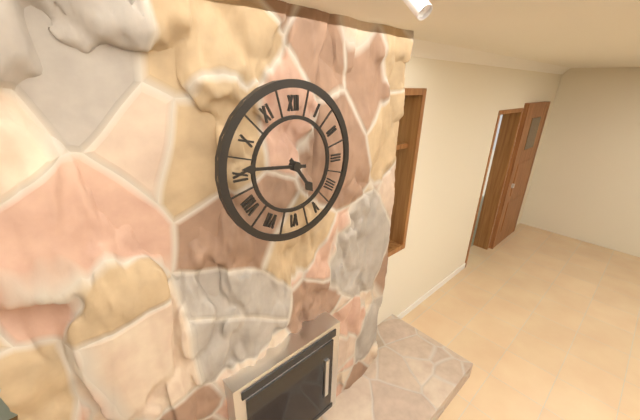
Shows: 4:46
